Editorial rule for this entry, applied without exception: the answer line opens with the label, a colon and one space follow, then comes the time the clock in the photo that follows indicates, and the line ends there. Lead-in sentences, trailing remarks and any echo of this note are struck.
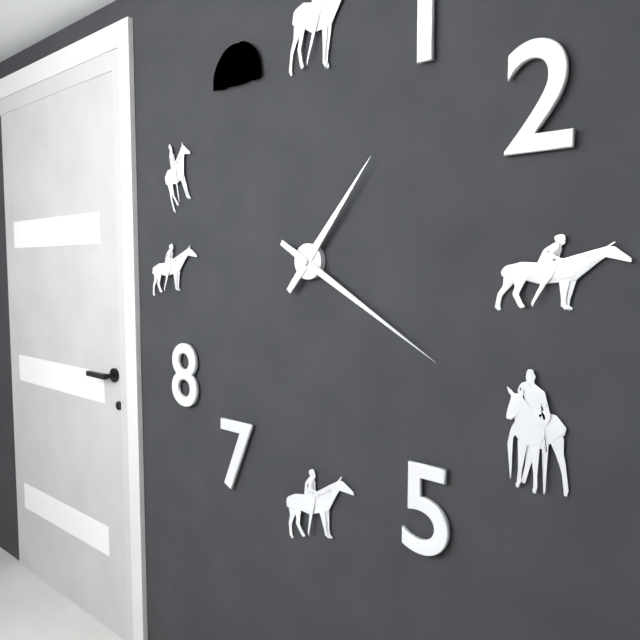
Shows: 1:20
